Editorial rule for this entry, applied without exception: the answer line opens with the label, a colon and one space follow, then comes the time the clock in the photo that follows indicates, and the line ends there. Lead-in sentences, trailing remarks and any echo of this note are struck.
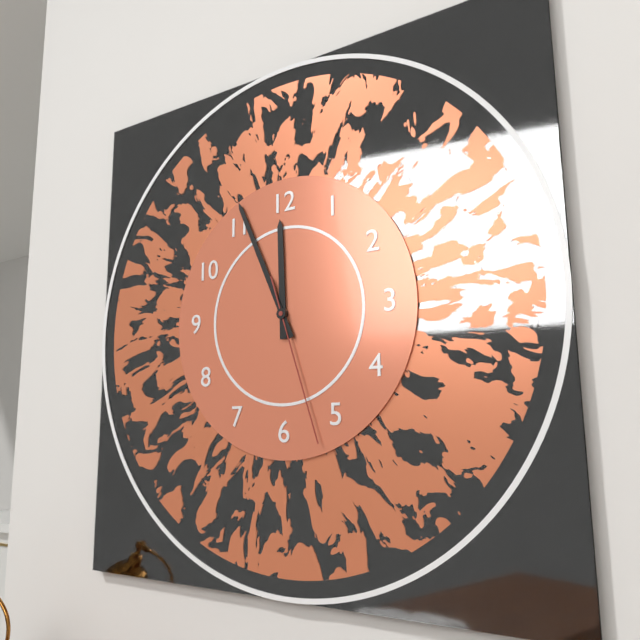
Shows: 11:56:27
